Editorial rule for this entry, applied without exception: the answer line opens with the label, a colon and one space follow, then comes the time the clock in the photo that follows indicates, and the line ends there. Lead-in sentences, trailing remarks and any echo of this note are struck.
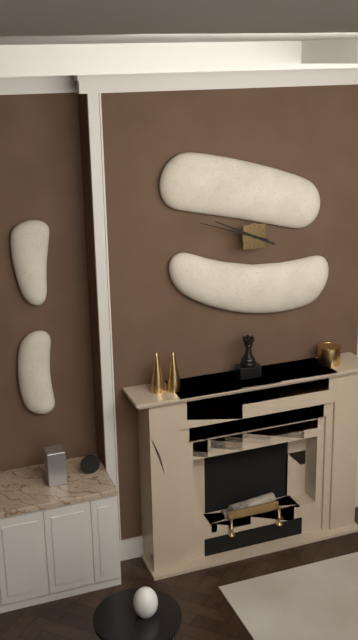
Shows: 9:48
